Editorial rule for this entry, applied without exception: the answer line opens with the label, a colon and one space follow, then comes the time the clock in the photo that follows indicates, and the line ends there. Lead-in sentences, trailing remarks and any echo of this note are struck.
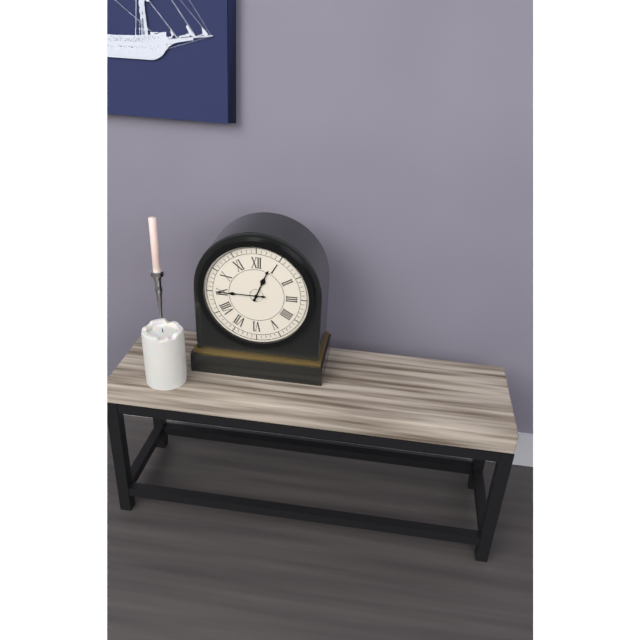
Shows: 12:45
